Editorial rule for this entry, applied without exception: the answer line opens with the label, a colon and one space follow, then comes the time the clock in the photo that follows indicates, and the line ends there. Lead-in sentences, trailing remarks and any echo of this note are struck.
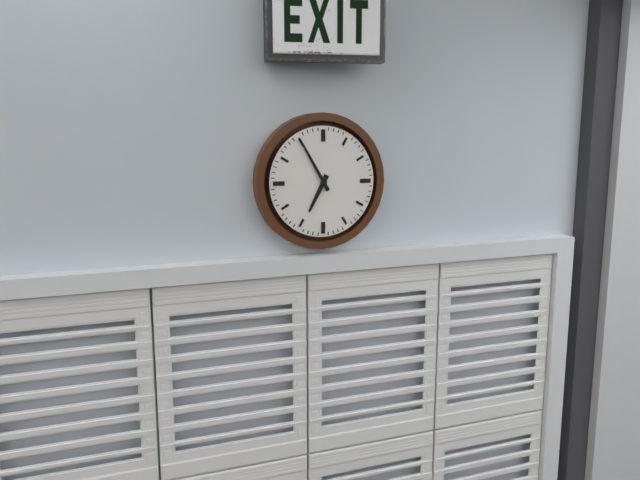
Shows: 6:55
